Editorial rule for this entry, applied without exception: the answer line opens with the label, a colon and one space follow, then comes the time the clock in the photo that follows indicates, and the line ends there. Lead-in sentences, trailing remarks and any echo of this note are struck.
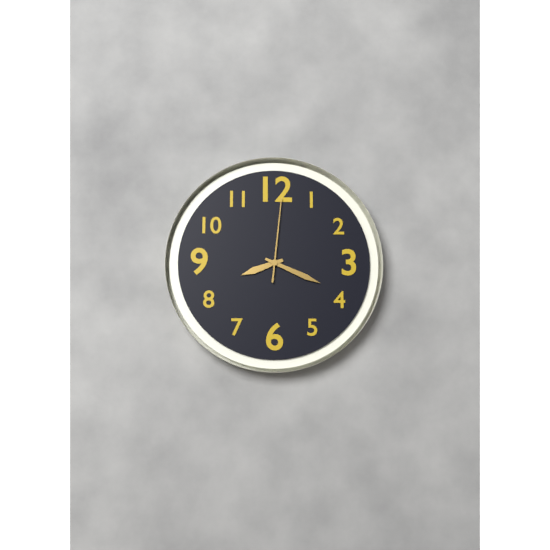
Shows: 8:19:01
